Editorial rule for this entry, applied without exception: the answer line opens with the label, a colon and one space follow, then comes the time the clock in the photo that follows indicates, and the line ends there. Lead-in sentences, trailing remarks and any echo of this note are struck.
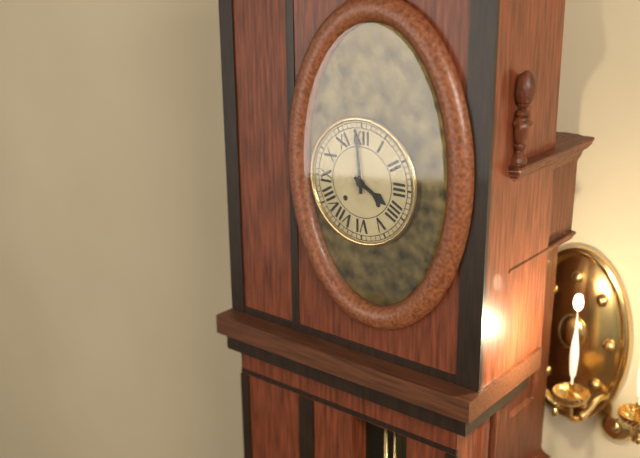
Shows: 3:59
